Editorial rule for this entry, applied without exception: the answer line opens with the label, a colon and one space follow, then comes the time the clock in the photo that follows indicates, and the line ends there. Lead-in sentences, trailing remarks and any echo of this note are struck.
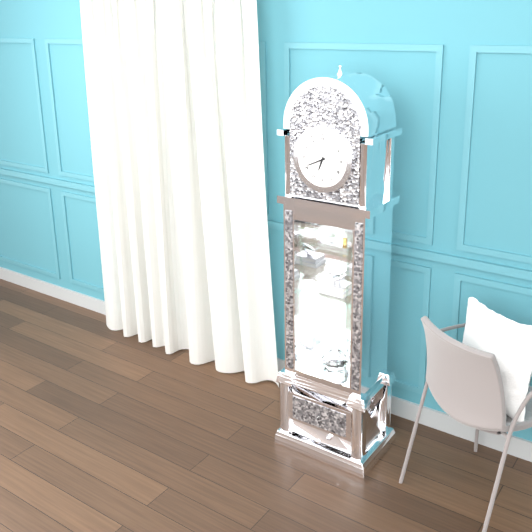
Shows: 6:41
